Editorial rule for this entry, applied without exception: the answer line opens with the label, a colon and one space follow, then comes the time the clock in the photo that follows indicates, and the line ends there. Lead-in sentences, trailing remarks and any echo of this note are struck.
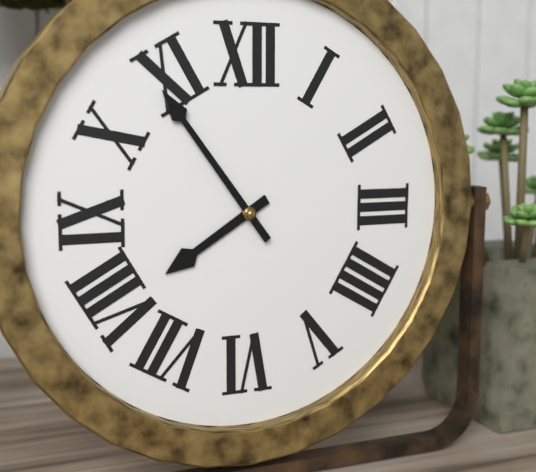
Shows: 7:54
